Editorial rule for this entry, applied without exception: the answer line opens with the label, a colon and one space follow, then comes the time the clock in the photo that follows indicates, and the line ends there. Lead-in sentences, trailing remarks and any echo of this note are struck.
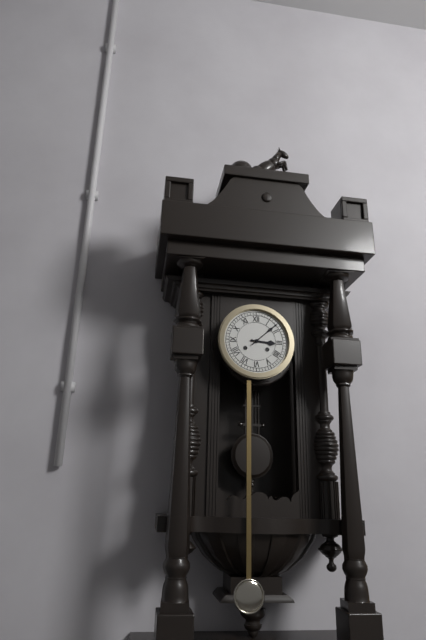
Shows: 3:08
